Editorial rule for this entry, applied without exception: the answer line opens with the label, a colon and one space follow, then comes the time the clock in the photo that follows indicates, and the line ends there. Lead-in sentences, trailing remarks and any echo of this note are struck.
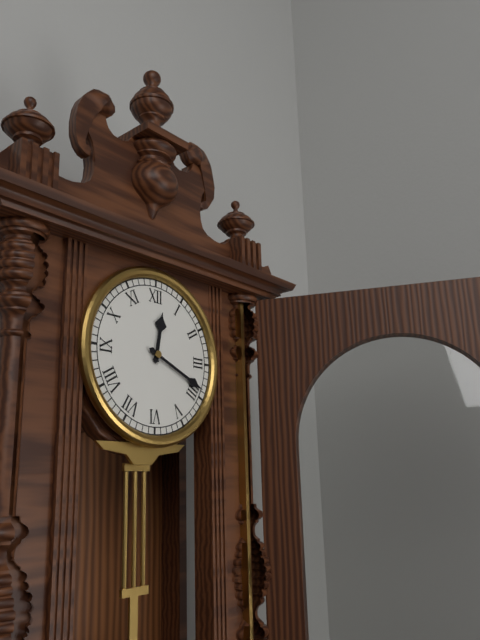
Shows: 12:19
